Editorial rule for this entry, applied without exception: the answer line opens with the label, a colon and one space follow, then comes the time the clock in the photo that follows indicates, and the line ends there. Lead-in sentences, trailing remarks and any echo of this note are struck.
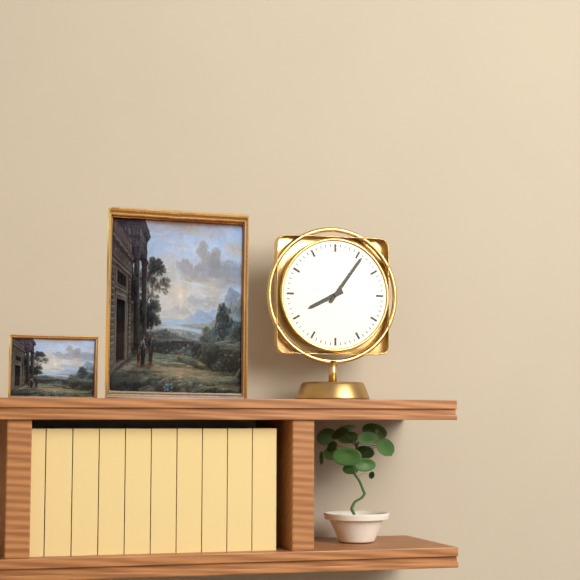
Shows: 8:06
